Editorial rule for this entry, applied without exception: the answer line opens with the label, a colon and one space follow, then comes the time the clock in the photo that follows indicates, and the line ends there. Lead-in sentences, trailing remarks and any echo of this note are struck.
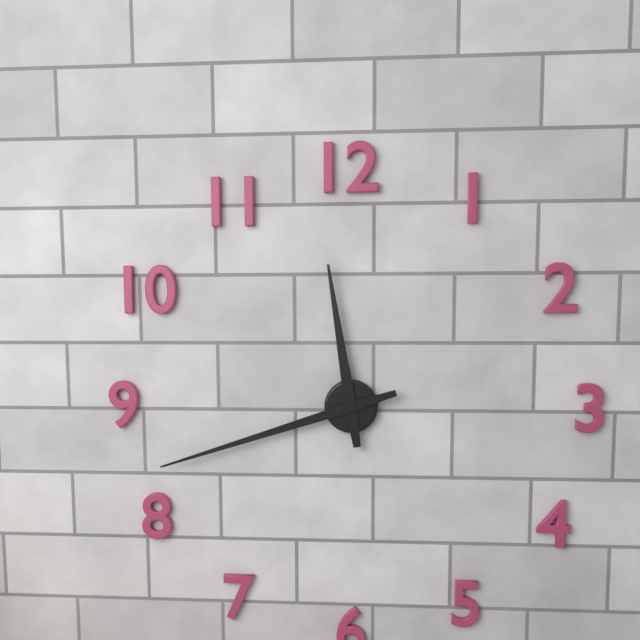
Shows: 11:42
